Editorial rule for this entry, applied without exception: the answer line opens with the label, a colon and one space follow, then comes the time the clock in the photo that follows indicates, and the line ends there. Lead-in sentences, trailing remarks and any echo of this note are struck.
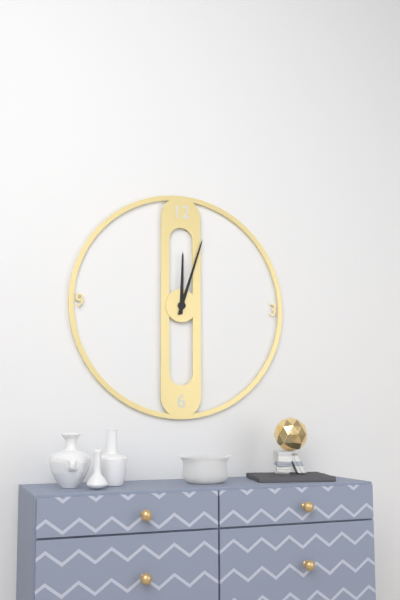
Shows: 12:03
